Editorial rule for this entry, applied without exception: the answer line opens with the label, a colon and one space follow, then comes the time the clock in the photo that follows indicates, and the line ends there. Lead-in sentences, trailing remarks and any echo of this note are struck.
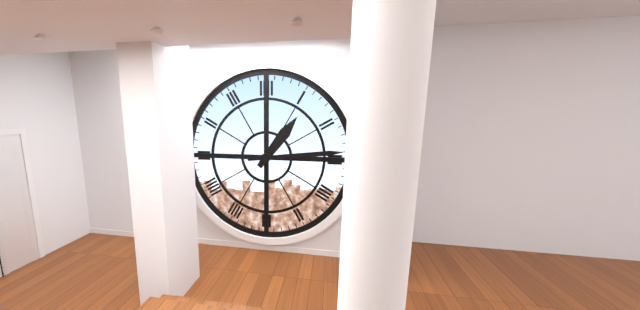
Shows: 1:14
